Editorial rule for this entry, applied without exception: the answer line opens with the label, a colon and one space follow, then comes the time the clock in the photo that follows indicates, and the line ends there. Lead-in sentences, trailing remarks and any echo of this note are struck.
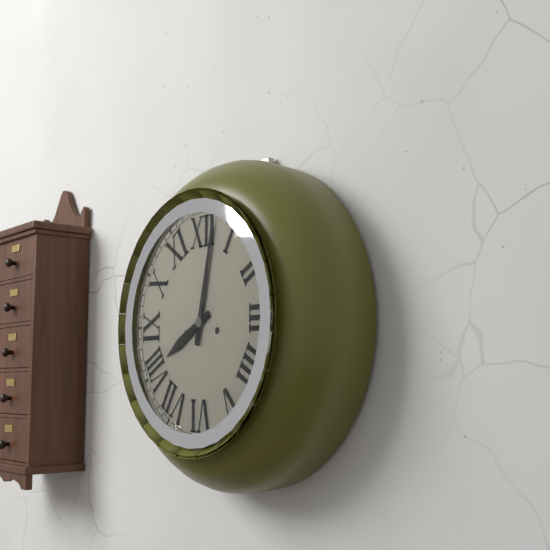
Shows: 8:02
